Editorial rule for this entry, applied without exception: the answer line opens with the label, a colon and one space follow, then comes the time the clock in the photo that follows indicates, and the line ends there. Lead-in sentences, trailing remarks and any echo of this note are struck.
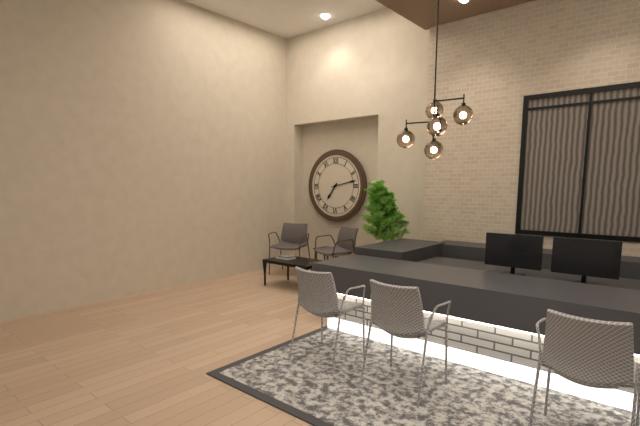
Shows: 7:13
